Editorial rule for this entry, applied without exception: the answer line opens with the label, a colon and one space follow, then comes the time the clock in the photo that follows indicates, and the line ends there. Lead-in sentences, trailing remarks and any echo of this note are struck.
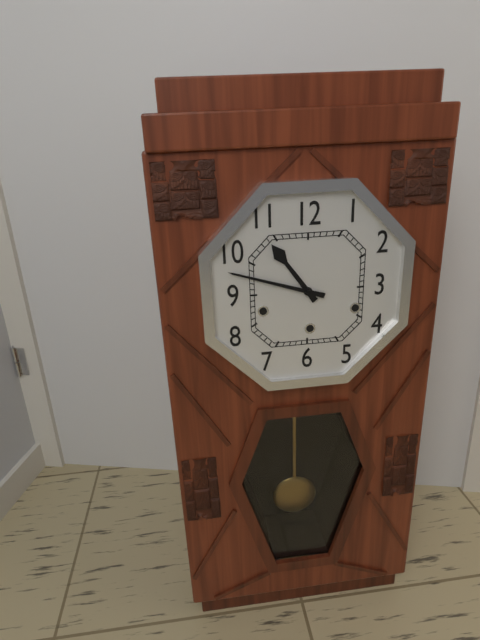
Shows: 10:48
